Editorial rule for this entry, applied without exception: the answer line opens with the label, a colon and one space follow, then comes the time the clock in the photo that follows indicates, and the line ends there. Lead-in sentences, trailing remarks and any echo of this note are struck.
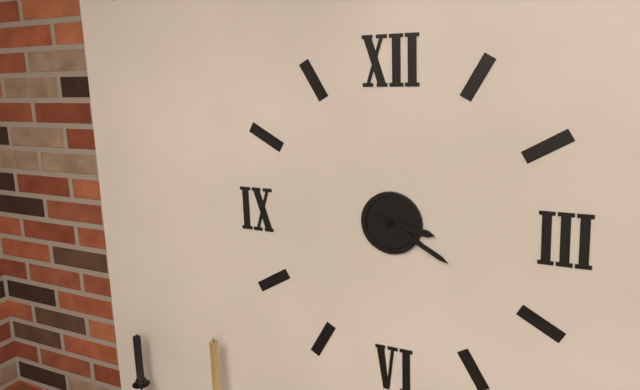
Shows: 3:20
